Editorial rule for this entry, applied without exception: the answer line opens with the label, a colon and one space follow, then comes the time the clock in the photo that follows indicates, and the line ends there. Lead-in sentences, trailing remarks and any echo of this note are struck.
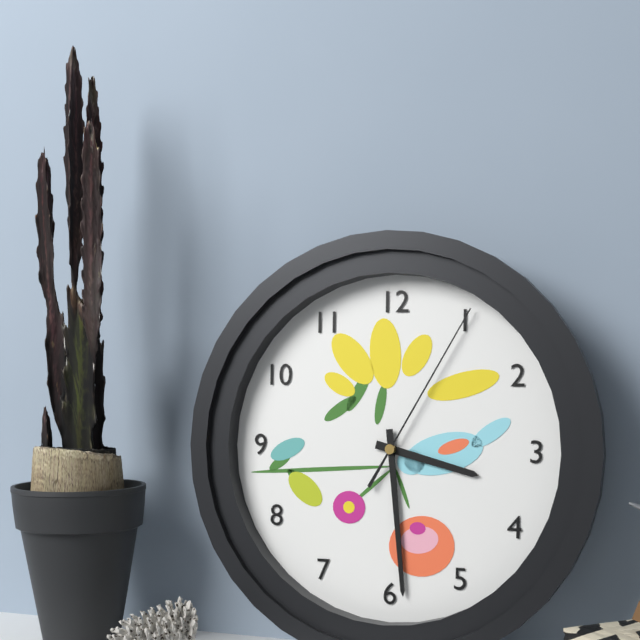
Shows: 3:29:05
